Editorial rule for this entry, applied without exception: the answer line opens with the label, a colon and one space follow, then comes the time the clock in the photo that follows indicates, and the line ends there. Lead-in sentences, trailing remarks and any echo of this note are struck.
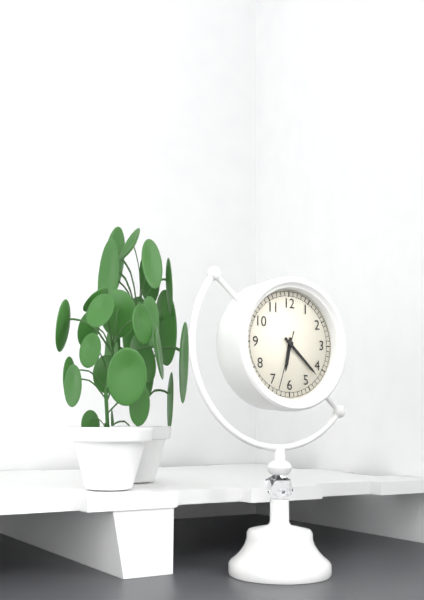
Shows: 6:22:33
